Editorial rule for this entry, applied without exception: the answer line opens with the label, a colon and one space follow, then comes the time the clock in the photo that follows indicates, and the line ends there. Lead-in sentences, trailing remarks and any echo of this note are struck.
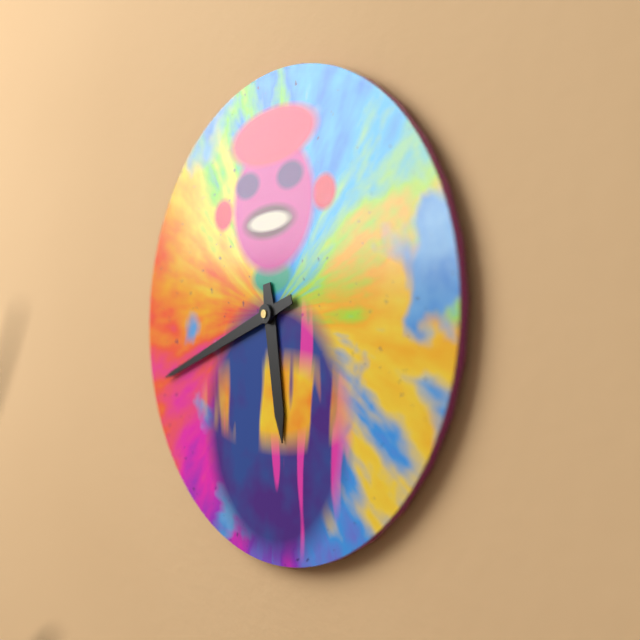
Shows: 5:42
